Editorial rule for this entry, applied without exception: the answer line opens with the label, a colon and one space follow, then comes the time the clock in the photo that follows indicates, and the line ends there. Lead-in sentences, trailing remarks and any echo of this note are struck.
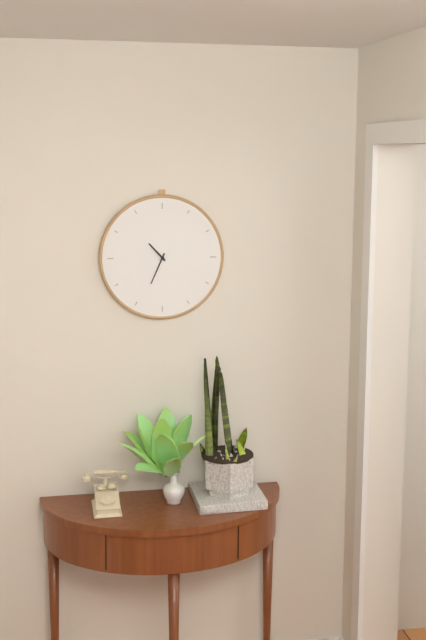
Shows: 10:34
